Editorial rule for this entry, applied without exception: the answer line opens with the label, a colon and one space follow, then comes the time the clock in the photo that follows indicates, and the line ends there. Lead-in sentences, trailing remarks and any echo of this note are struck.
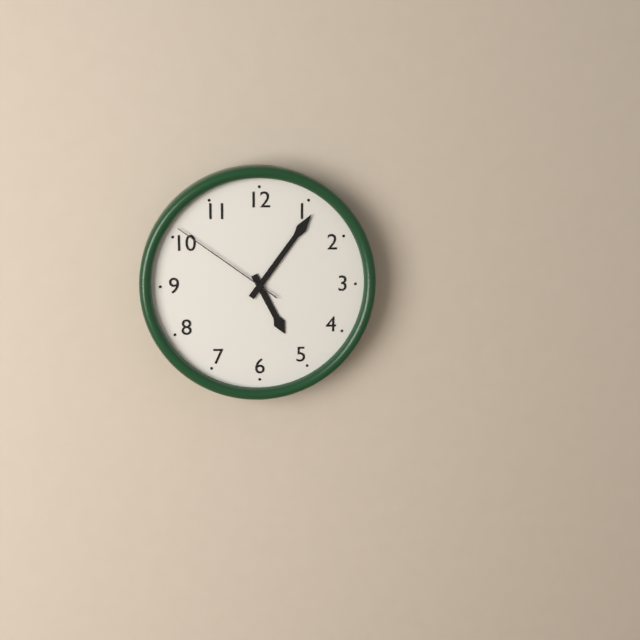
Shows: 5:06:51
